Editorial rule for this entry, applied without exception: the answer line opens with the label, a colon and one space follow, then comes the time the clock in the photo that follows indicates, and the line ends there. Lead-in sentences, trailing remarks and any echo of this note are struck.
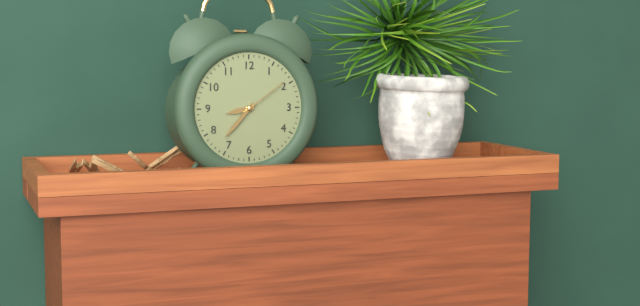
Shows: 8:37:09
